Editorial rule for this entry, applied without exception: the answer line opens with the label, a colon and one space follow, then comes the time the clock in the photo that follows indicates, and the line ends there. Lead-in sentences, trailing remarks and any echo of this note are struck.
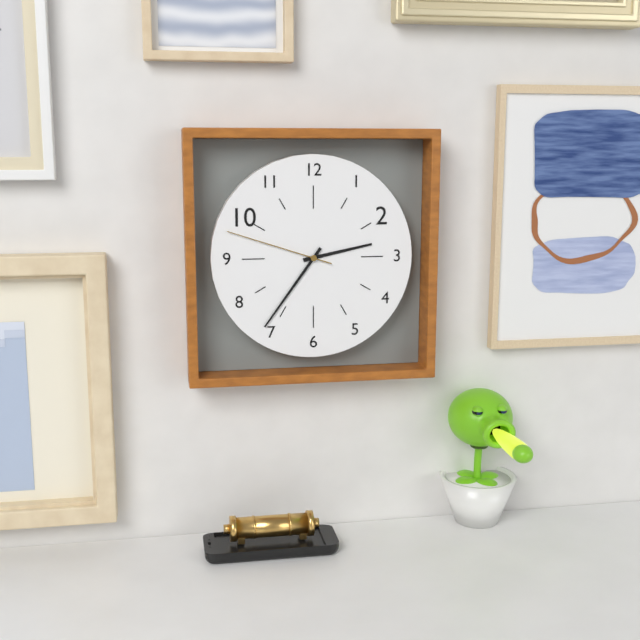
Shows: 2:36:48
